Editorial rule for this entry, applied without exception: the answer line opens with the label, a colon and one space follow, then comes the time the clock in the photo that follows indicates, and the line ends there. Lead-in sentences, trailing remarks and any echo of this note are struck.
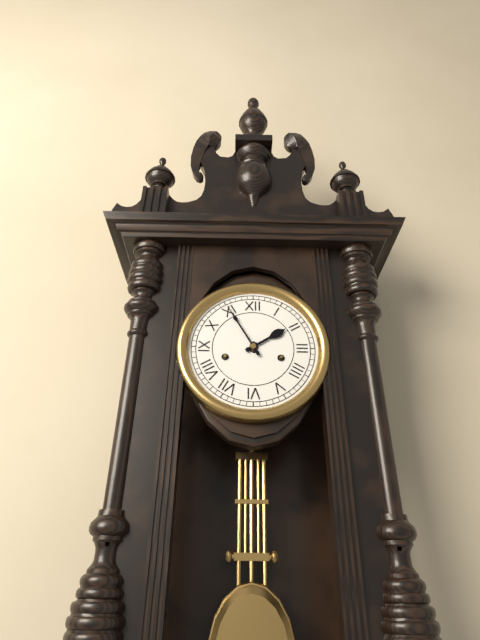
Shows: 1:55
